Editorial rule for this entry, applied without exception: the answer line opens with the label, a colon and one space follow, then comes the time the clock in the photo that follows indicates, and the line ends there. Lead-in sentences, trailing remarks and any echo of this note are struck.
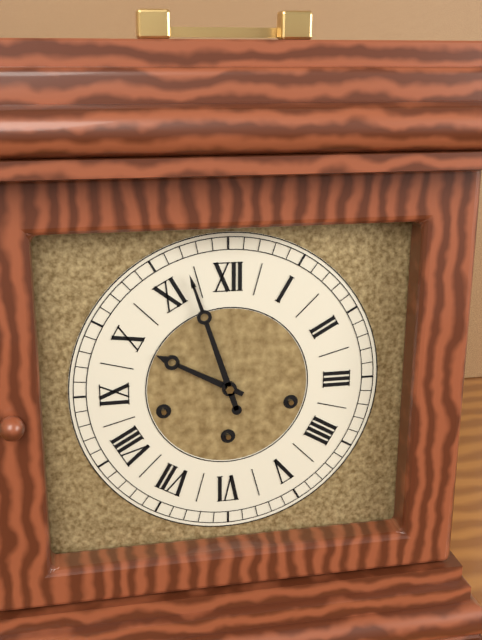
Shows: 9:57
